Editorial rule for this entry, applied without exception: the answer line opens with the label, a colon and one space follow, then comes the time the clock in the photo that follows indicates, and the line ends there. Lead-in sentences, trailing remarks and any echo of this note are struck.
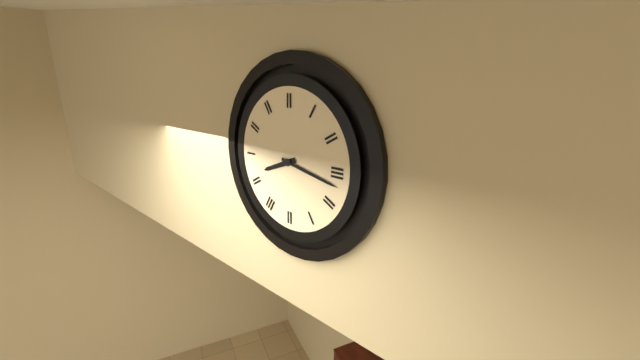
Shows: 8:17
